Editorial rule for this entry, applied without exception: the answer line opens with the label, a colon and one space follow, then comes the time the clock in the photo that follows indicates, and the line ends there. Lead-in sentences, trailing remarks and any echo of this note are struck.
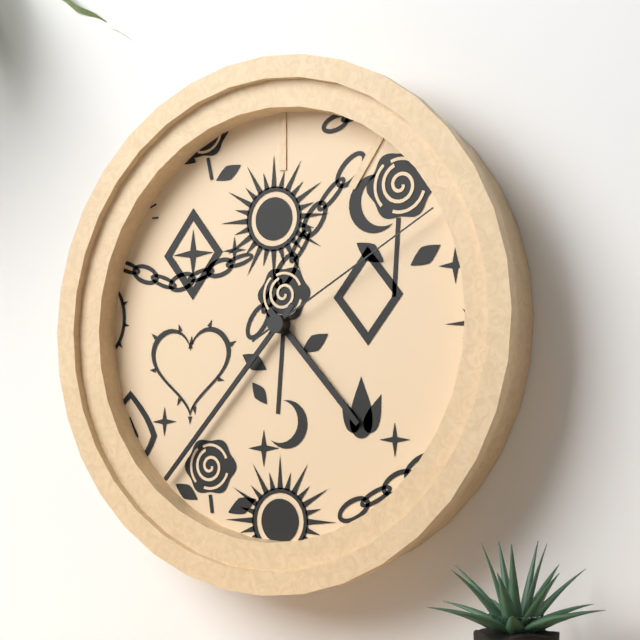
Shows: 4:37:10
